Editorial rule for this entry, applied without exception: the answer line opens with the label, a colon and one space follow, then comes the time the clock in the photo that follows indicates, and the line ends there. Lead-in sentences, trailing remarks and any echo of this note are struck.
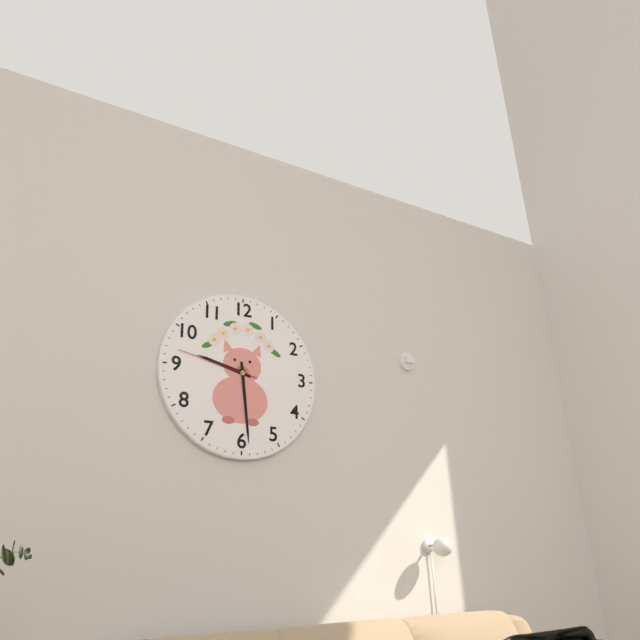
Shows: 9:29:47
